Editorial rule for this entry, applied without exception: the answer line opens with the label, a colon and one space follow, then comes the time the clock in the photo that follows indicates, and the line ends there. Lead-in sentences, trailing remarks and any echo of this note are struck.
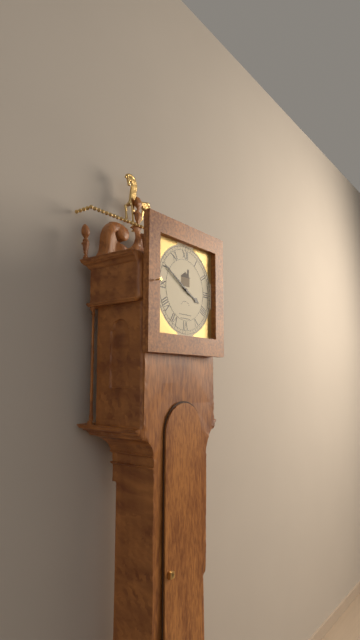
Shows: 3:50
